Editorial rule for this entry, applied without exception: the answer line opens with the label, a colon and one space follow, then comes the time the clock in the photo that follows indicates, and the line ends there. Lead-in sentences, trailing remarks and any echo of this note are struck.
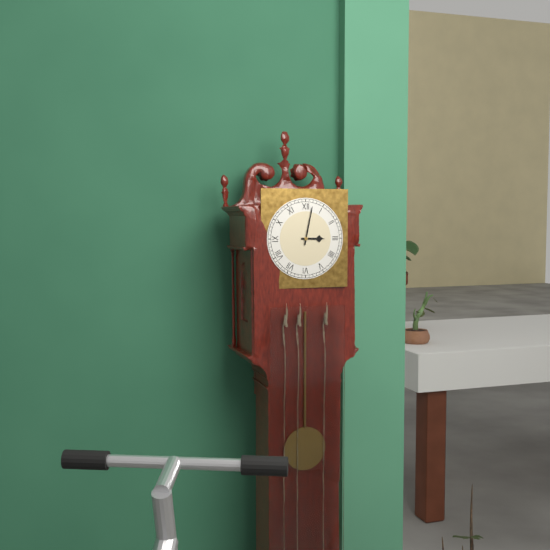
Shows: 3:02
